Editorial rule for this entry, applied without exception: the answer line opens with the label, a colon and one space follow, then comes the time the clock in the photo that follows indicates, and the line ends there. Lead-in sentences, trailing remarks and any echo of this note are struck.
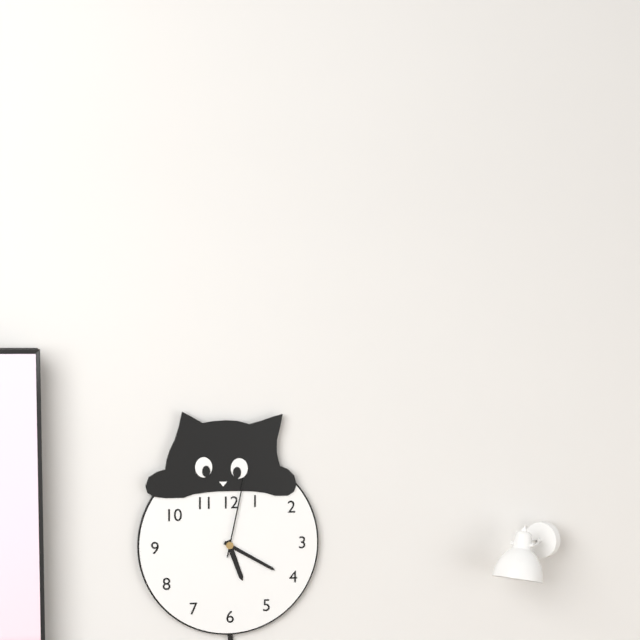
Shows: 5:20:02
